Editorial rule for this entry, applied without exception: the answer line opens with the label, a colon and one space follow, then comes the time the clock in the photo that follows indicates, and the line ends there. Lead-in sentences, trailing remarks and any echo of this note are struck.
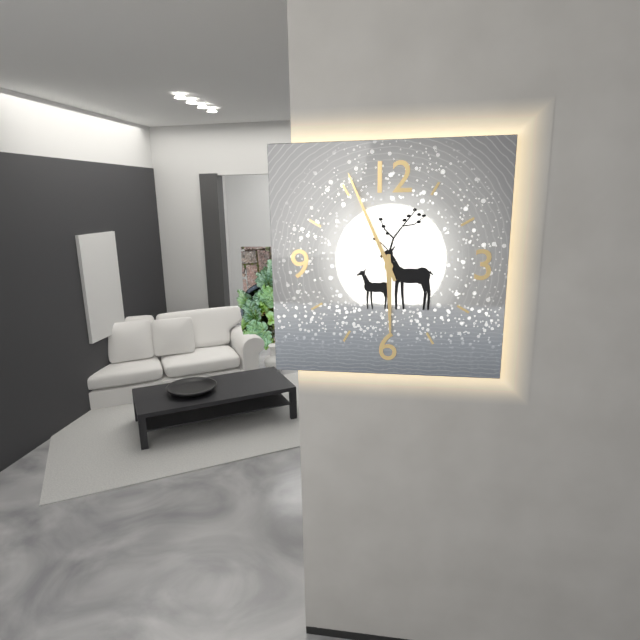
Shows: 5:56
